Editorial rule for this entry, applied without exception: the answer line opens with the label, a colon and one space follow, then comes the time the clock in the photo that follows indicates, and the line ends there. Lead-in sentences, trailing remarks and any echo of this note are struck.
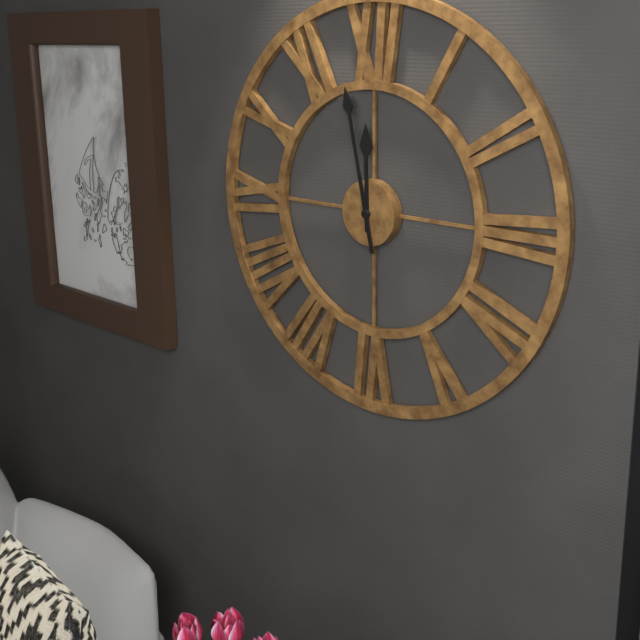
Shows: 11:58
